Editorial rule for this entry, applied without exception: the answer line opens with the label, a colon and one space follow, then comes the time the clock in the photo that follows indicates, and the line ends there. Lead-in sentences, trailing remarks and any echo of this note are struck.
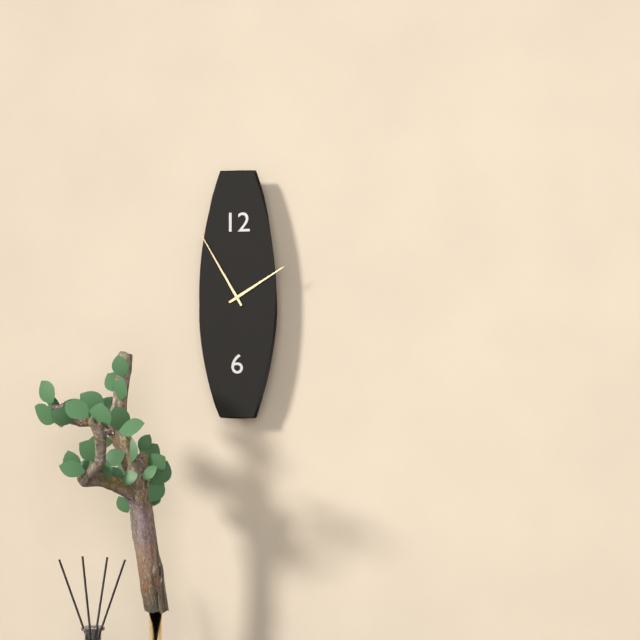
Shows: 1:55
